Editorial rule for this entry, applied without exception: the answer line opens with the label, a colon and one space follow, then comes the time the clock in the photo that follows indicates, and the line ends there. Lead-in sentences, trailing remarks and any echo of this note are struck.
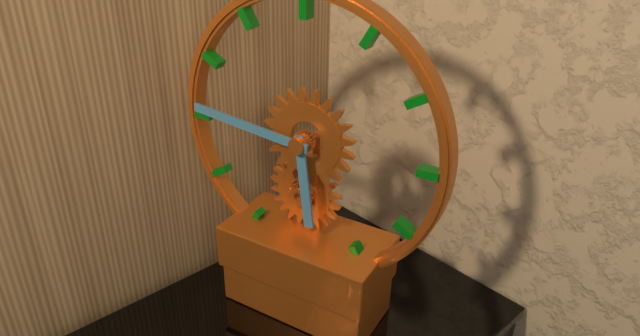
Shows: 5:46
